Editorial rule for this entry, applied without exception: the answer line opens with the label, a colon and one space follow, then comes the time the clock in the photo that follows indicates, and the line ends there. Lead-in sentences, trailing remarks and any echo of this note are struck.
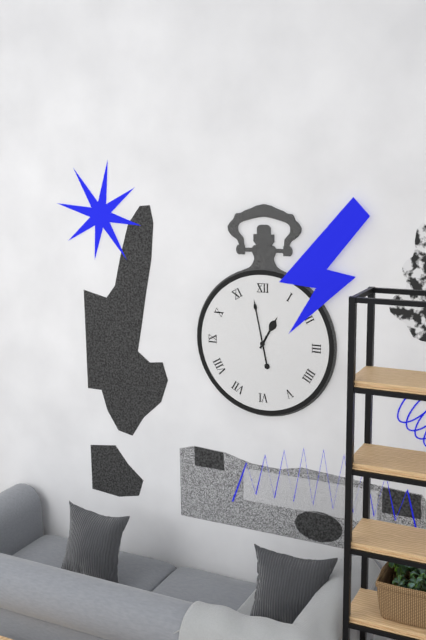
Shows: 12:58
